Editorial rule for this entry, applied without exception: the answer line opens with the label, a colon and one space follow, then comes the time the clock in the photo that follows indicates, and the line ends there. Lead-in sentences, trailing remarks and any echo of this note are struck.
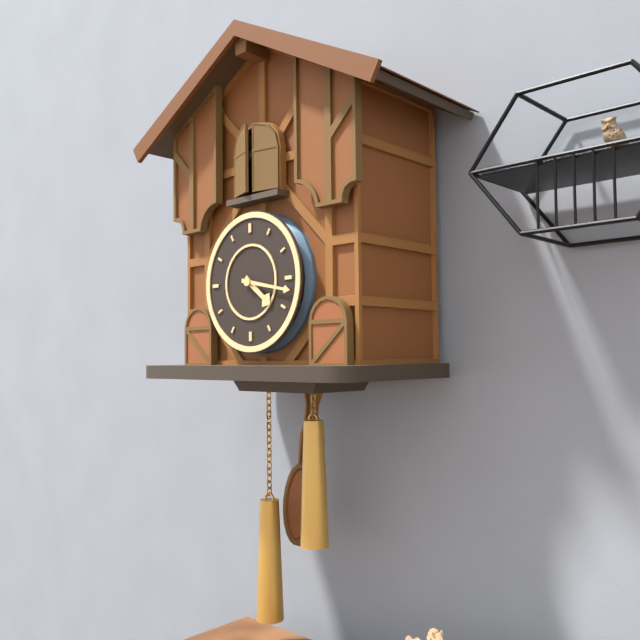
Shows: 4:17
